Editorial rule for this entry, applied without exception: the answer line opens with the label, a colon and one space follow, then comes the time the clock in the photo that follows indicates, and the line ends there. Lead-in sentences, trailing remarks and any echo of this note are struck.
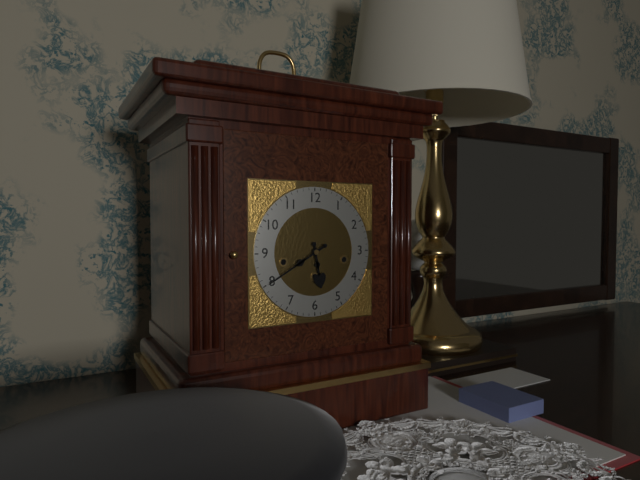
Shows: 5:40
